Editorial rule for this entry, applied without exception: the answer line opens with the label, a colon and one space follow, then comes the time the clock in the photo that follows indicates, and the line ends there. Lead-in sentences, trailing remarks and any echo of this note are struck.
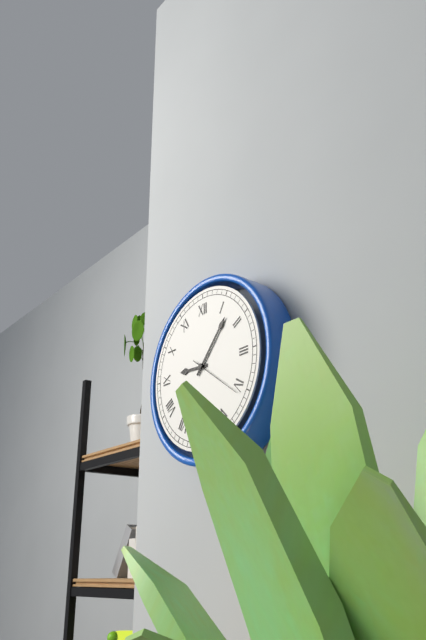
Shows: 9:07:21
